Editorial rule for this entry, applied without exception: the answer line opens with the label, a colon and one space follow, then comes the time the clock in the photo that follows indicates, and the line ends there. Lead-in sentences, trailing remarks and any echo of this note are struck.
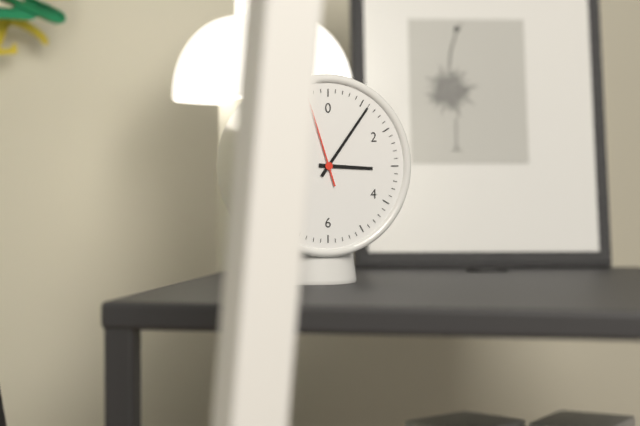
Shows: 3:06:57
